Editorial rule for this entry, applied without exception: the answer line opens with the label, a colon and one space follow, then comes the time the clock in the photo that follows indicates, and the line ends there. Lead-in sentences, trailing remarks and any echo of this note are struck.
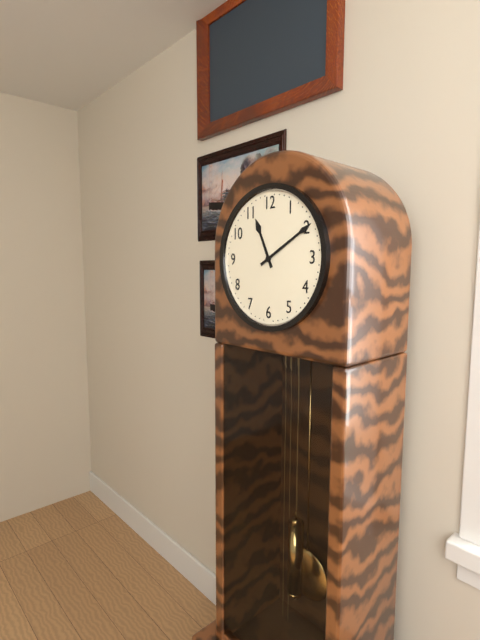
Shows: 11:10
